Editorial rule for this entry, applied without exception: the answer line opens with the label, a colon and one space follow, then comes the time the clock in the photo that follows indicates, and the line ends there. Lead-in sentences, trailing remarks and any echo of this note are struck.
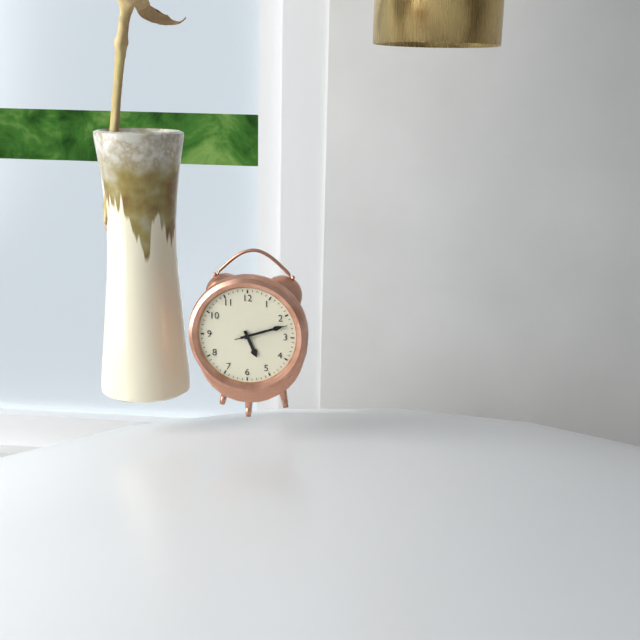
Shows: 5:12:12
